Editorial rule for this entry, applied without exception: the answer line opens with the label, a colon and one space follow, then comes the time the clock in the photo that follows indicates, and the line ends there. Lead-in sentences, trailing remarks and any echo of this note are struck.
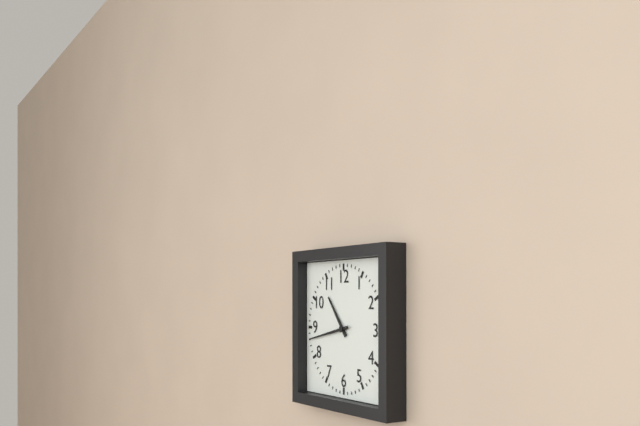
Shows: 10:43
